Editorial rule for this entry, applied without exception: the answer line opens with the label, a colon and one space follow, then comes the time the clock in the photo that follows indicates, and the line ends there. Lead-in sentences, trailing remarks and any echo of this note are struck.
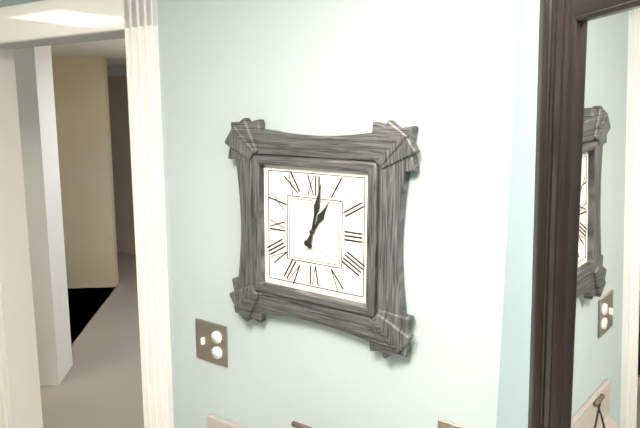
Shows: 1:02
